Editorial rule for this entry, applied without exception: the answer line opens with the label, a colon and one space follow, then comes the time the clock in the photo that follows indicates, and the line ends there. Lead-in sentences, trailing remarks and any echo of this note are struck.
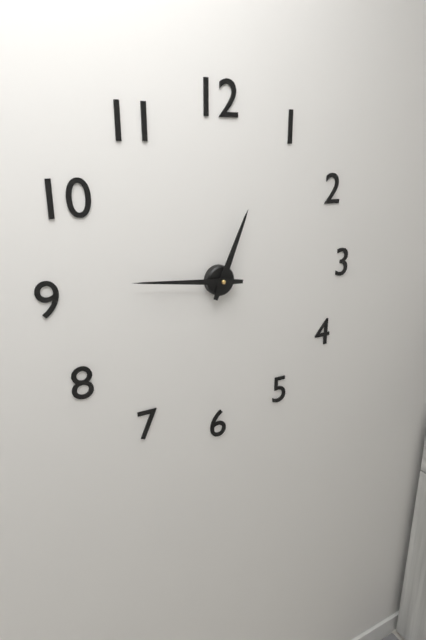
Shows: 12:46
